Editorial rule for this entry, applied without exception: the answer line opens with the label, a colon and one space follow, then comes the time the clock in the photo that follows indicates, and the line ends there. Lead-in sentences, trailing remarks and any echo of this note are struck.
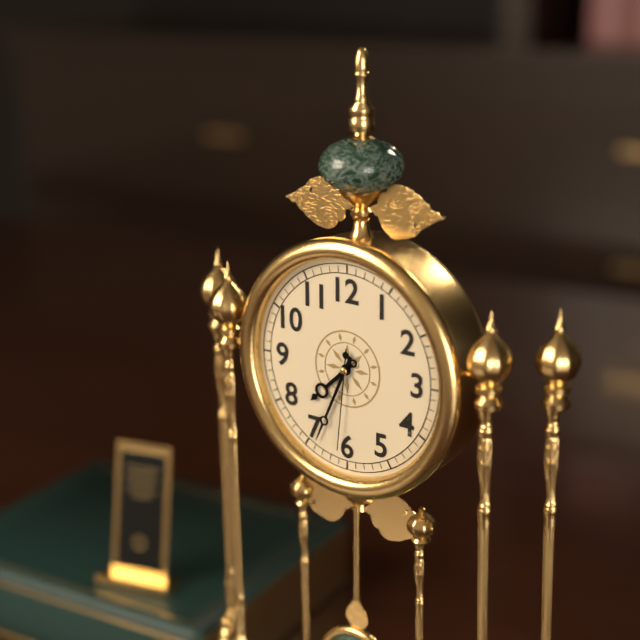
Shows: 7:34:31
